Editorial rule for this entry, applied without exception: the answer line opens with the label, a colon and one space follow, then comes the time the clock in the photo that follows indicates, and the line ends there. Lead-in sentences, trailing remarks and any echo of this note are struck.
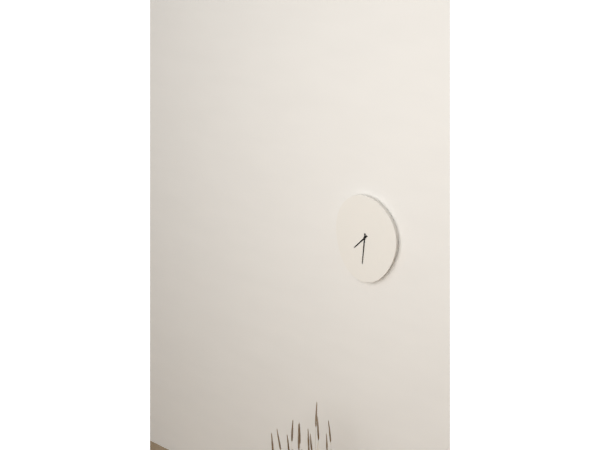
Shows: 7:31
